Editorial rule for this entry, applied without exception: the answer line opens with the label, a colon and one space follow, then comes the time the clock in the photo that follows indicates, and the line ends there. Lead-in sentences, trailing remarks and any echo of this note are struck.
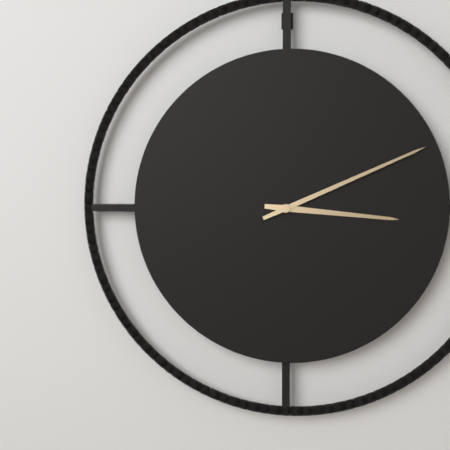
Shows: 3:11
